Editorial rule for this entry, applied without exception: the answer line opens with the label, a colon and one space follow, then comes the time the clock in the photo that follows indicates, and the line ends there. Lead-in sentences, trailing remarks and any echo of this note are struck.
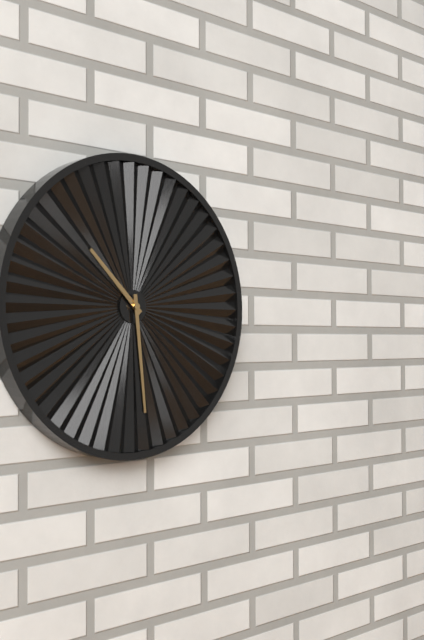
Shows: 10:29
